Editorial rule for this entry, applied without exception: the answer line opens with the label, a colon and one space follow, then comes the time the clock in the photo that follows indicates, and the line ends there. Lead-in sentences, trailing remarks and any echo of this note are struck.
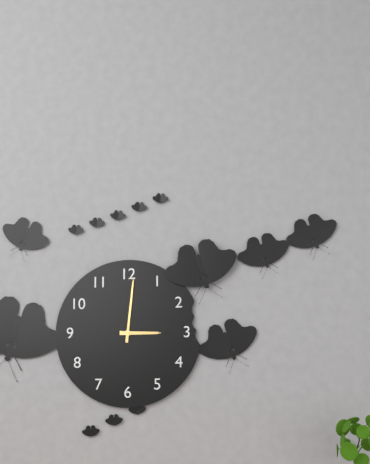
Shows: 3:01
